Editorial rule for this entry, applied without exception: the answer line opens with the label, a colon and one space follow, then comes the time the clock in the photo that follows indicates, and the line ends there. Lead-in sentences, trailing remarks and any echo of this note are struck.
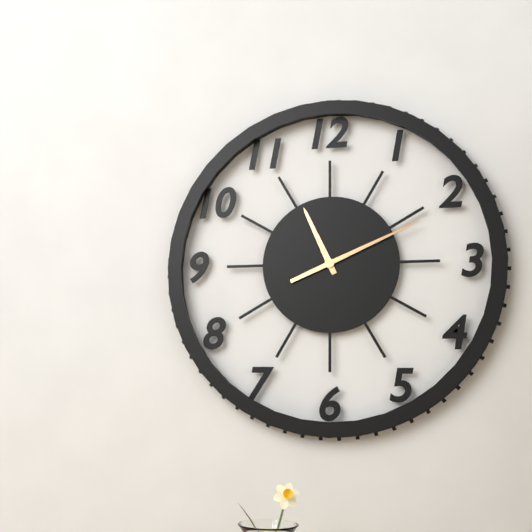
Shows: 11:11
